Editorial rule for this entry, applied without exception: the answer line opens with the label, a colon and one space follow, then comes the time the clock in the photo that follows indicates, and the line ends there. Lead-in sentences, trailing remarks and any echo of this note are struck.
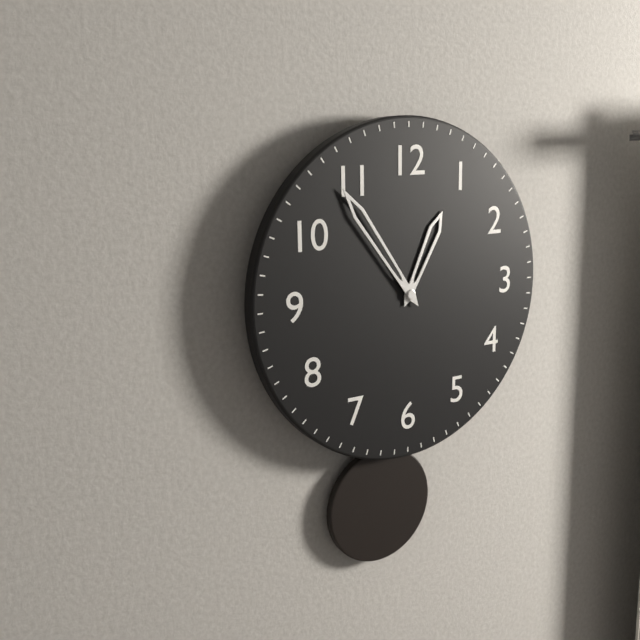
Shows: 12:54
